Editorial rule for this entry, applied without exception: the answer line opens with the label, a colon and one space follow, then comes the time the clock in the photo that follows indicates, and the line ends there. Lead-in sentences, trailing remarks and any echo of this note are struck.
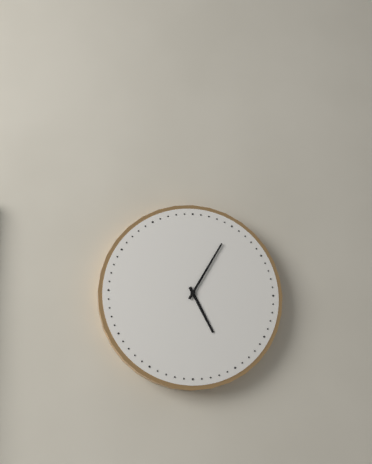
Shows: 5:05
